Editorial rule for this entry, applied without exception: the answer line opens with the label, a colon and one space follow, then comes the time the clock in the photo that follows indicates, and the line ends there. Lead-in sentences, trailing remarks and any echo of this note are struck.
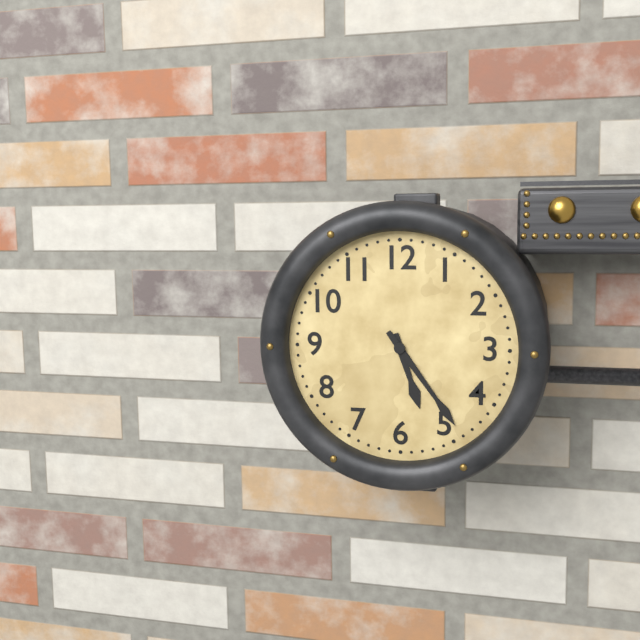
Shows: 5:24
